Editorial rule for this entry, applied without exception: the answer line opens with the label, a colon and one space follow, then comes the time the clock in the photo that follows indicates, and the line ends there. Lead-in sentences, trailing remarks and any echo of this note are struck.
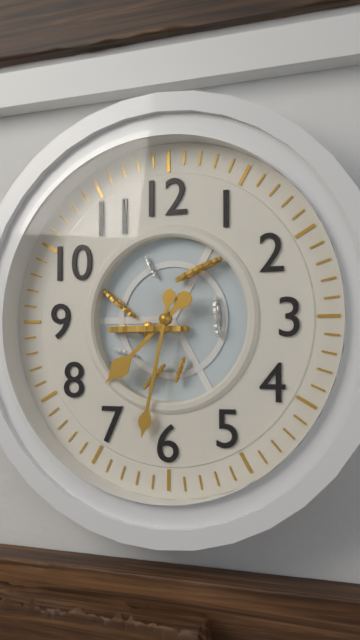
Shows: 7:32
